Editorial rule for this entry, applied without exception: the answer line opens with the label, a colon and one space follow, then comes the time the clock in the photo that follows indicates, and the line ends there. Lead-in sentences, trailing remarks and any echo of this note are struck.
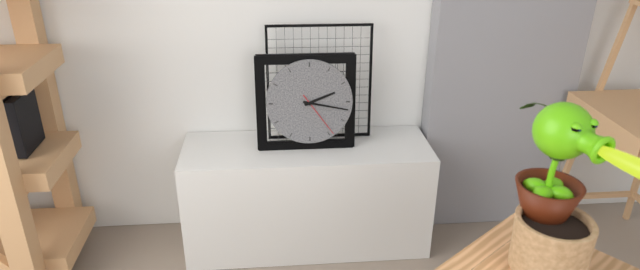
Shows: 2:17
